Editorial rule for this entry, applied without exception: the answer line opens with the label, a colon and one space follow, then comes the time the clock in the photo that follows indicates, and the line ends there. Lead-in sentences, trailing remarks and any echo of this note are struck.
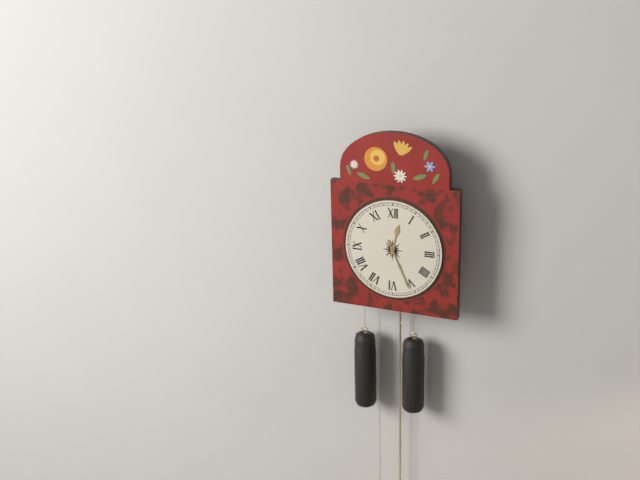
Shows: 12:26
